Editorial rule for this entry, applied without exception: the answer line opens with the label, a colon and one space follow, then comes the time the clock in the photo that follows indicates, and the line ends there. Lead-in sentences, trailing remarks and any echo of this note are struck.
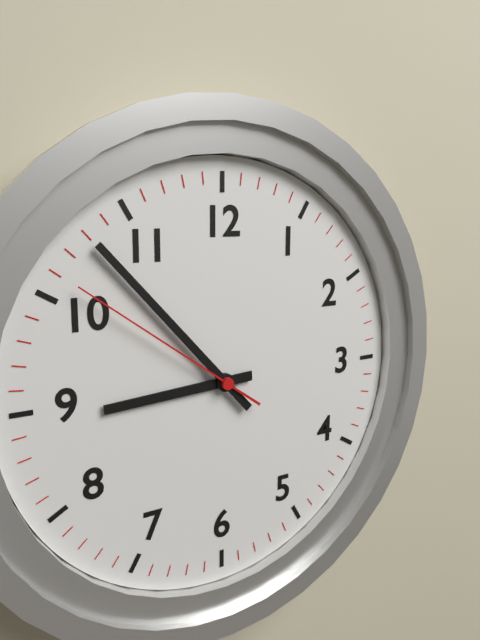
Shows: 8:53:51
